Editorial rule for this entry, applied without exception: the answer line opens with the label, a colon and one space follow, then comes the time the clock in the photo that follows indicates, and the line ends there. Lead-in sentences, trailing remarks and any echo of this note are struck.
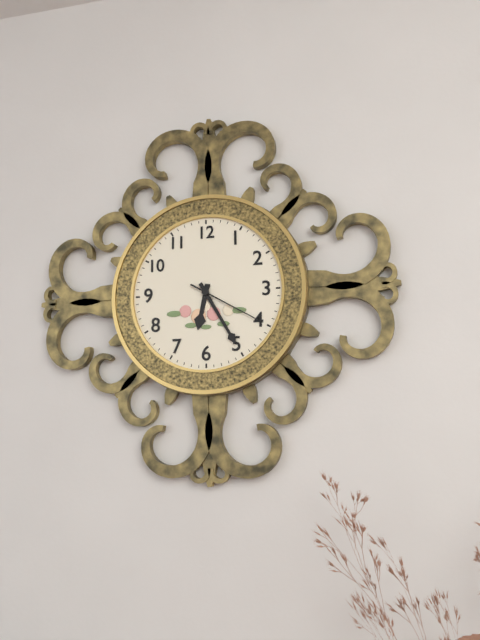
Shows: 6:25:20
